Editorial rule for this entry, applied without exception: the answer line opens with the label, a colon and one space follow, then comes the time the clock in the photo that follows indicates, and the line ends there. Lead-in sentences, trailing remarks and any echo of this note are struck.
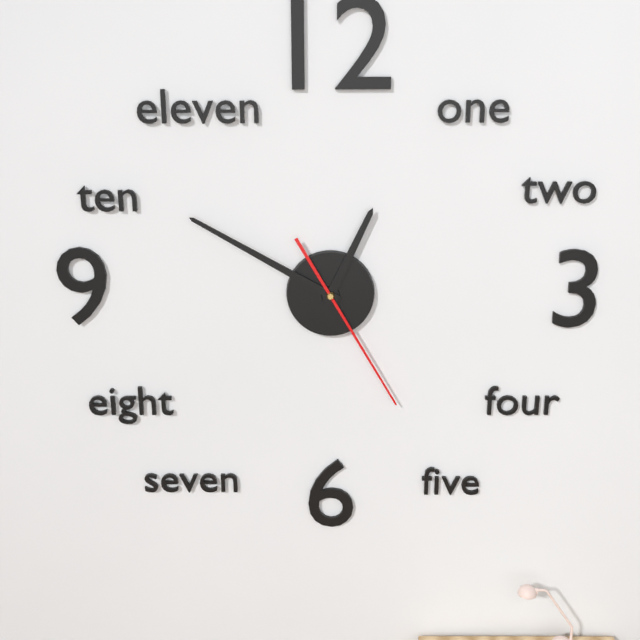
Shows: 12:50:25
